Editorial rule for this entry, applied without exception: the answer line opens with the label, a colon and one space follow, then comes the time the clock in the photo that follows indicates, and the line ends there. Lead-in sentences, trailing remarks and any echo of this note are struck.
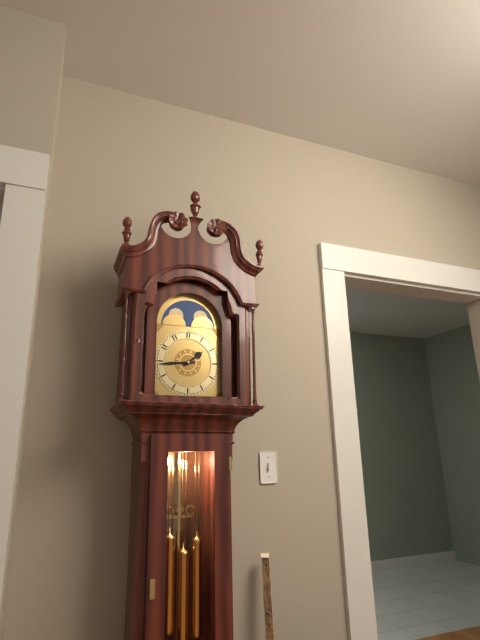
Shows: 1:44
